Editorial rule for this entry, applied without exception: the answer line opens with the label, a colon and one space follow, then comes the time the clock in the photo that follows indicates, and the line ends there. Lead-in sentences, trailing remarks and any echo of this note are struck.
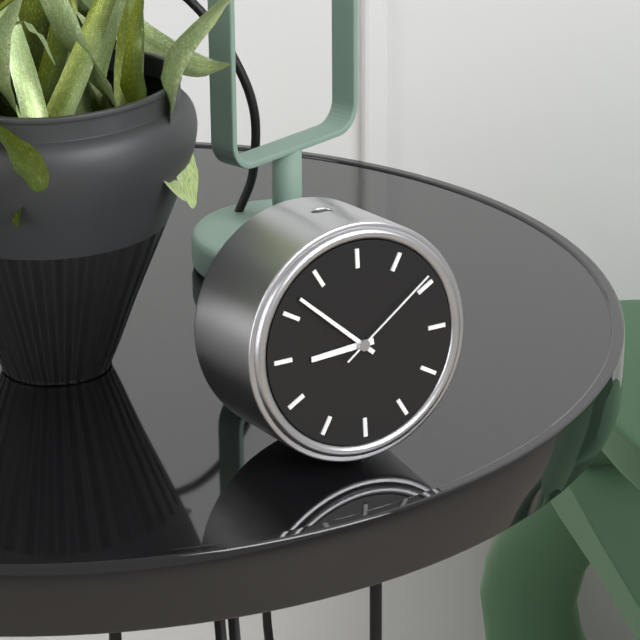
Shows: 8:52:09
